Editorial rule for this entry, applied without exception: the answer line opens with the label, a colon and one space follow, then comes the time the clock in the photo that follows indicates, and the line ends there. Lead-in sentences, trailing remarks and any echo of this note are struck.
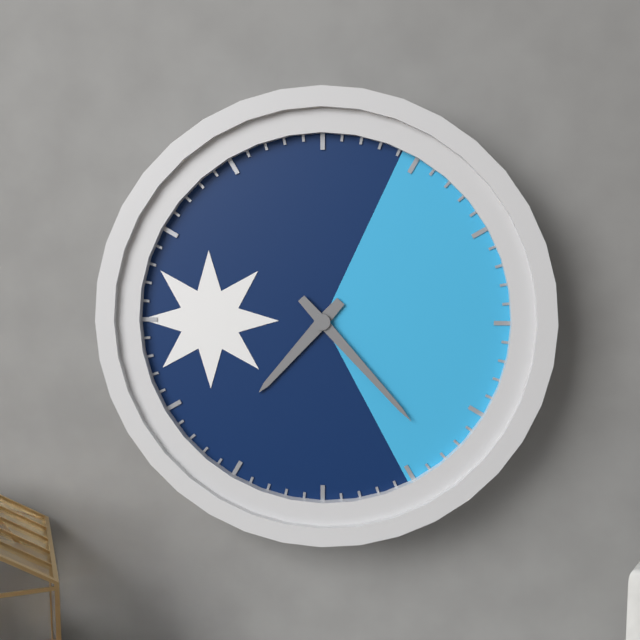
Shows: 7:23
